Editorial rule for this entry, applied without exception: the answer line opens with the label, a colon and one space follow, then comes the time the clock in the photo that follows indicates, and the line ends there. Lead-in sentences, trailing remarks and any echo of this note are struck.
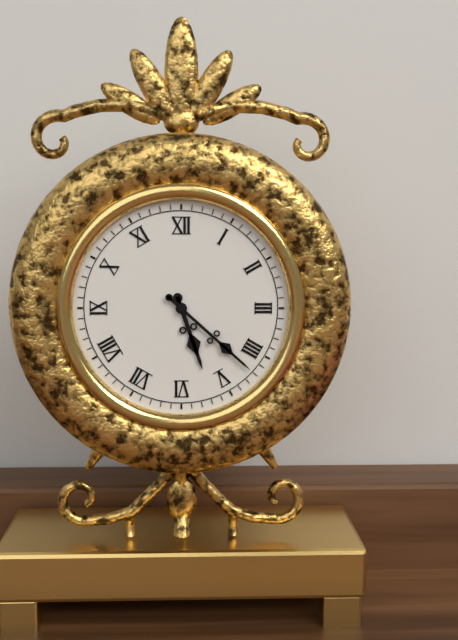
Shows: 5:22
